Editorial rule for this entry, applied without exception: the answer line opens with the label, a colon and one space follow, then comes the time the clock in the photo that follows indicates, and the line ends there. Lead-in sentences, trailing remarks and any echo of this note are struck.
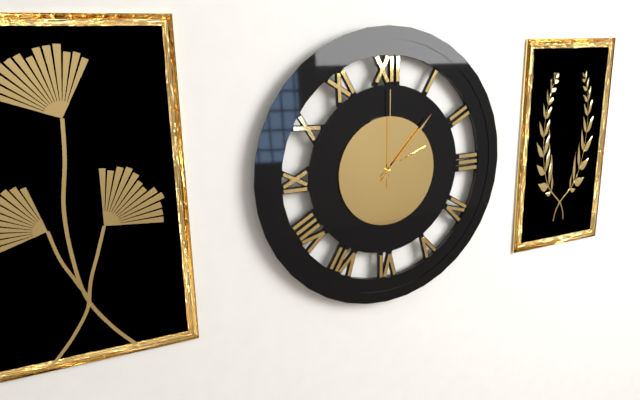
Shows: 2:07:00
